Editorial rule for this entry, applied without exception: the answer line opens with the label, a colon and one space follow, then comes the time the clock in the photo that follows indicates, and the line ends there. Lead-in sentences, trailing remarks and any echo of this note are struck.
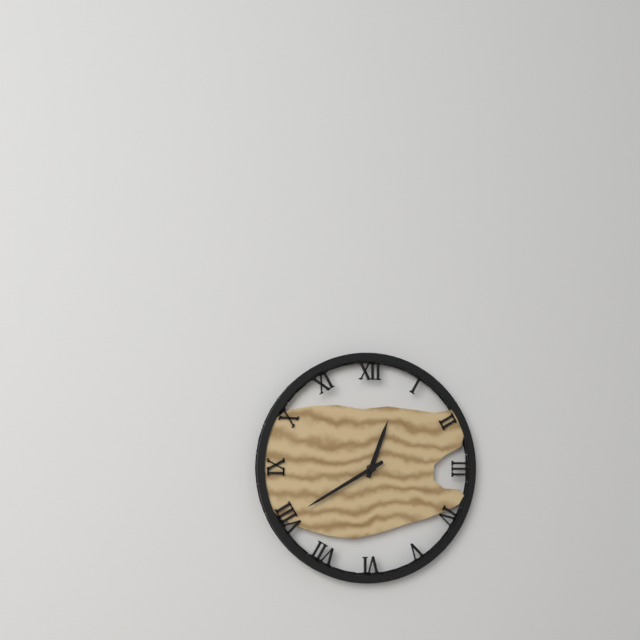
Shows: 12:40
